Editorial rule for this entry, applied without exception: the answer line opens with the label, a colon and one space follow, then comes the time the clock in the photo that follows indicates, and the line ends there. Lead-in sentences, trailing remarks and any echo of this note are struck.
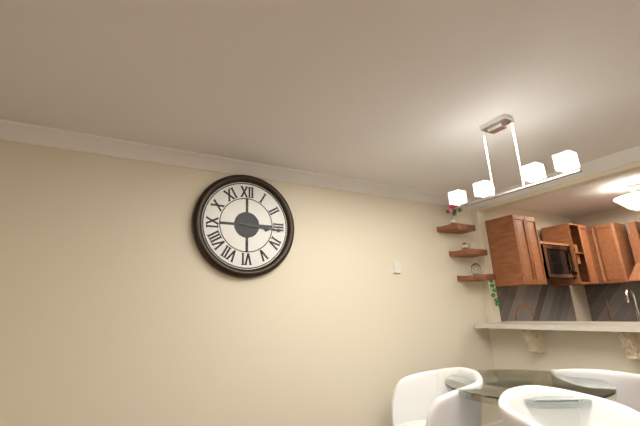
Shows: 3:16
